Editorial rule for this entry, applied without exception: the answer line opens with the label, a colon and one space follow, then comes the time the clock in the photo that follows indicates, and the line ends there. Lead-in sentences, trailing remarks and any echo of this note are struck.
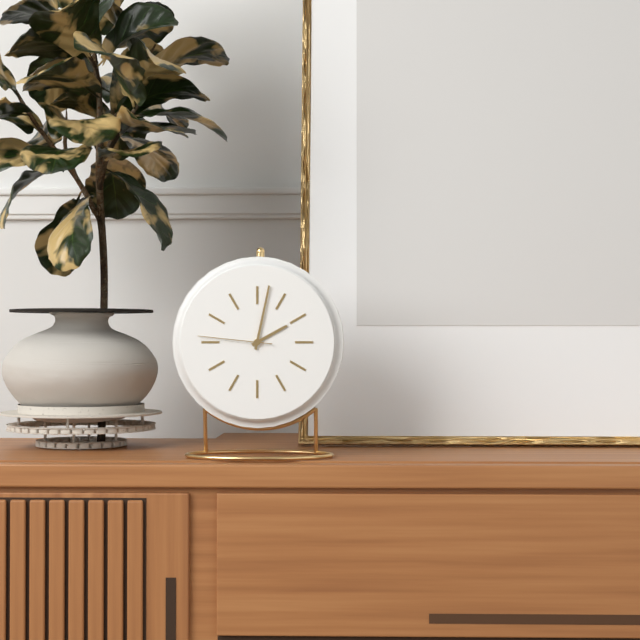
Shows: 2:02:46
